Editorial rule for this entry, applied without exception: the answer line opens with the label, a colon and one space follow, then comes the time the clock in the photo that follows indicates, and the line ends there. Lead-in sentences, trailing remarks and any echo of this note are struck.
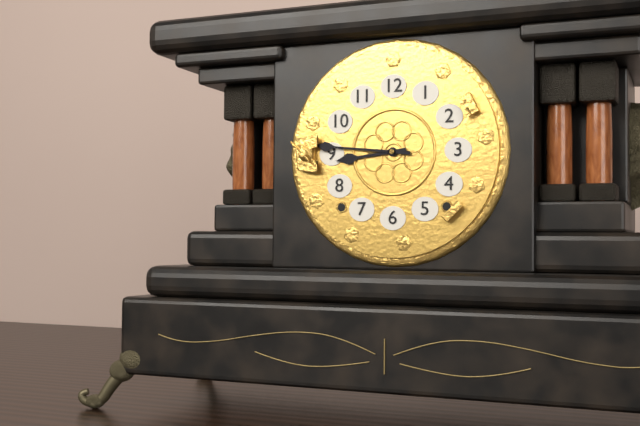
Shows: 8:46
